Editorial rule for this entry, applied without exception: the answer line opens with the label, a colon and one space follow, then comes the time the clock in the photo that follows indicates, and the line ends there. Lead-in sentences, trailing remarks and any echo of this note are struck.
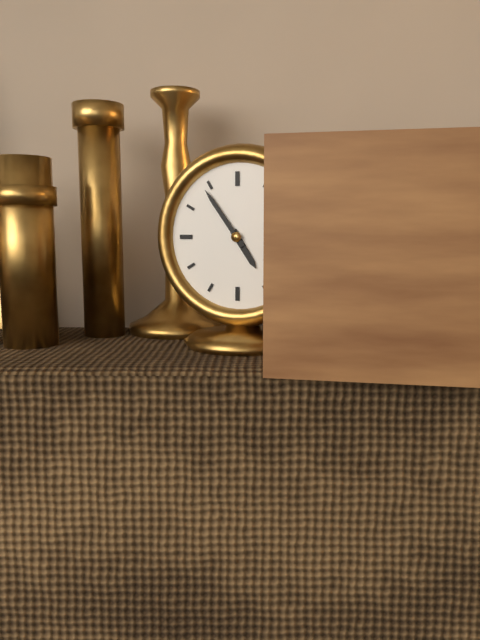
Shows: 4:54
